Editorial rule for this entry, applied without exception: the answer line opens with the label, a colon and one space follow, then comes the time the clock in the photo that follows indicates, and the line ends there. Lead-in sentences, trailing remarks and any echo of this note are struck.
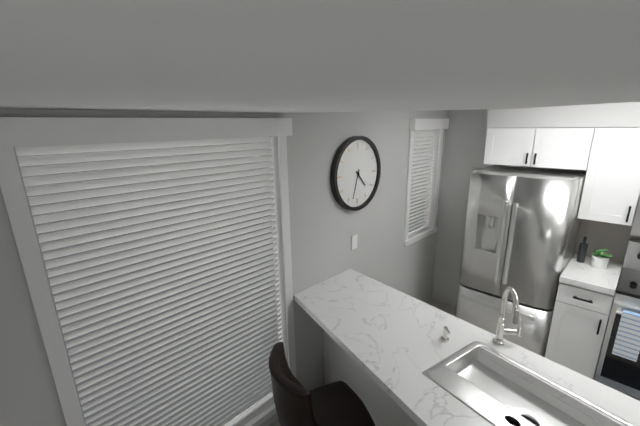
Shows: 4:33
